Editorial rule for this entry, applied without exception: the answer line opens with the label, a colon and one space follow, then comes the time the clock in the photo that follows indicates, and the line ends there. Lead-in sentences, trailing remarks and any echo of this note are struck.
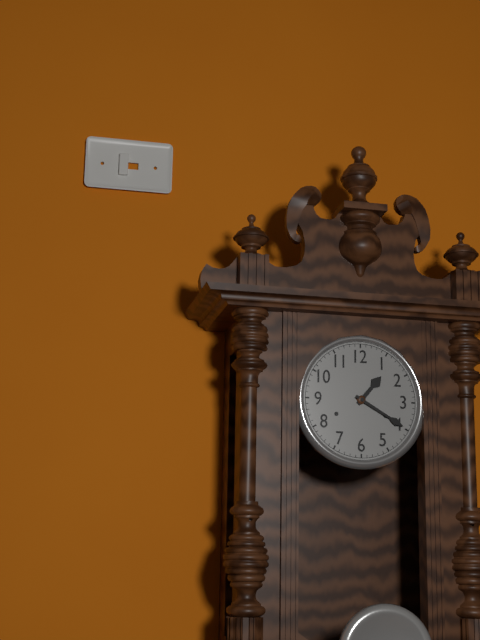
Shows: 1:20
